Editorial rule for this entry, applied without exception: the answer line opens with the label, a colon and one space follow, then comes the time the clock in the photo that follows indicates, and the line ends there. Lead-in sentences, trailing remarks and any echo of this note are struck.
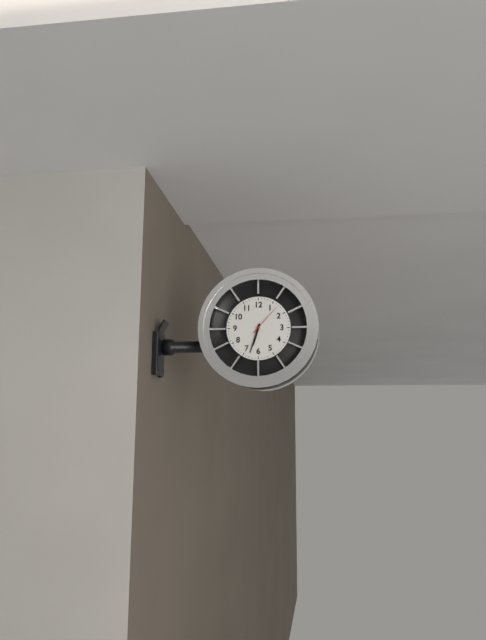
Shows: 6:33
